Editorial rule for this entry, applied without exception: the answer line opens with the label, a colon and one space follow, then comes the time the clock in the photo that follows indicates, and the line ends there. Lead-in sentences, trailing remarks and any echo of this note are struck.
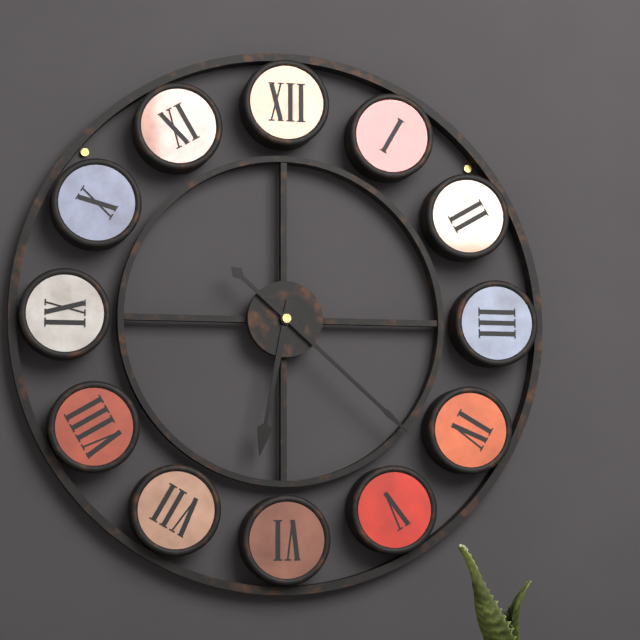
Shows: 6:22
